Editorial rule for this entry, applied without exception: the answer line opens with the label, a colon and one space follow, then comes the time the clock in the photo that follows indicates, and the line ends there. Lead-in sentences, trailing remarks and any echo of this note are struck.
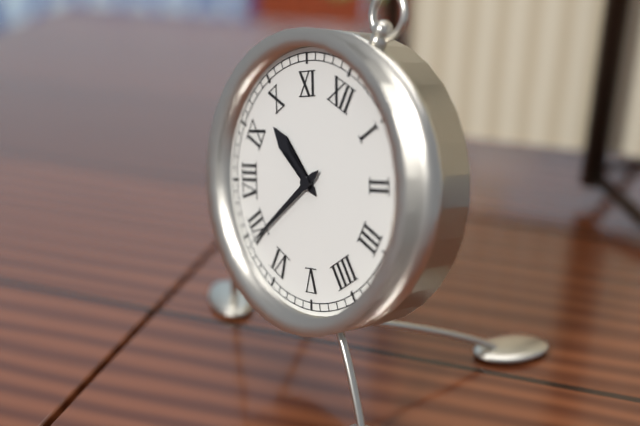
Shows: 9:34
